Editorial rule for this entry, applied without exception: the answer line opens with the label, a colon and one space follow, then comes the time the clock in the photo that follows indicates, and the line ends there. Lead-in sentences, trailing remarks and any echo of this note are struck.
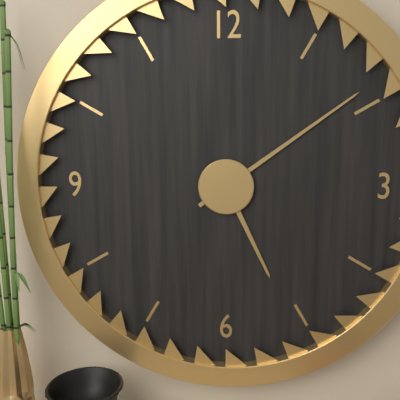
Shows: 5:09
